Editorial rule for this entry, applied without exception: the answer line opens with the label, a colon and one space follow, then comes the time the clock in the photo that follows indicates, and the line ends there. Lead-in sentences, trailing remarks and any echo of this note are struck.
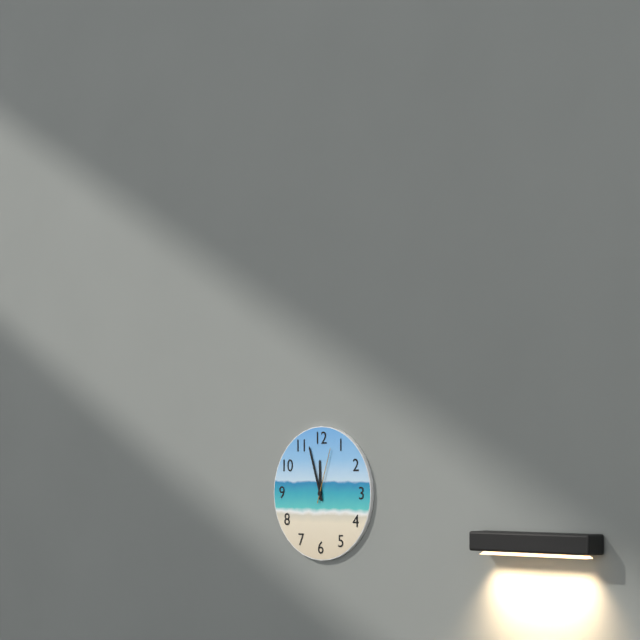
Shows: 11:57:03
